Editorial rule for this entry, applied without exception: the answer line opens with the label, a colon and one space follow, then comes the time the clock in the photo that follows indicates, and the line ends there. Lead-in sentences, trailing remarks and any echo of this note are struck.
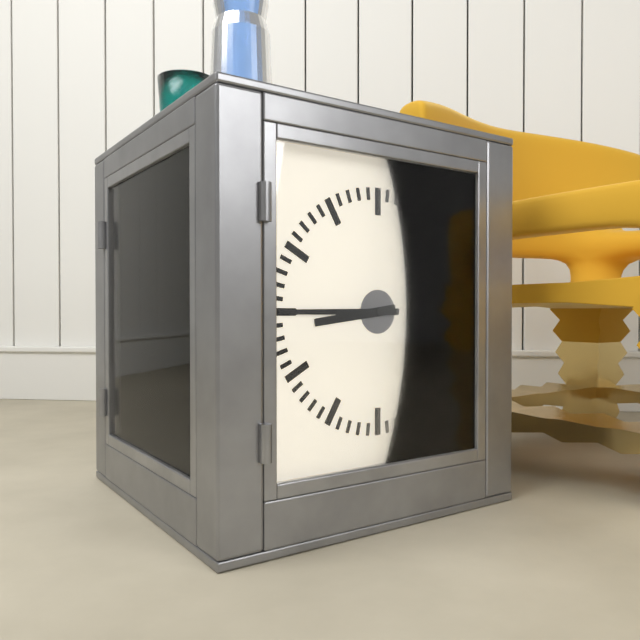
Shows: 8:45
